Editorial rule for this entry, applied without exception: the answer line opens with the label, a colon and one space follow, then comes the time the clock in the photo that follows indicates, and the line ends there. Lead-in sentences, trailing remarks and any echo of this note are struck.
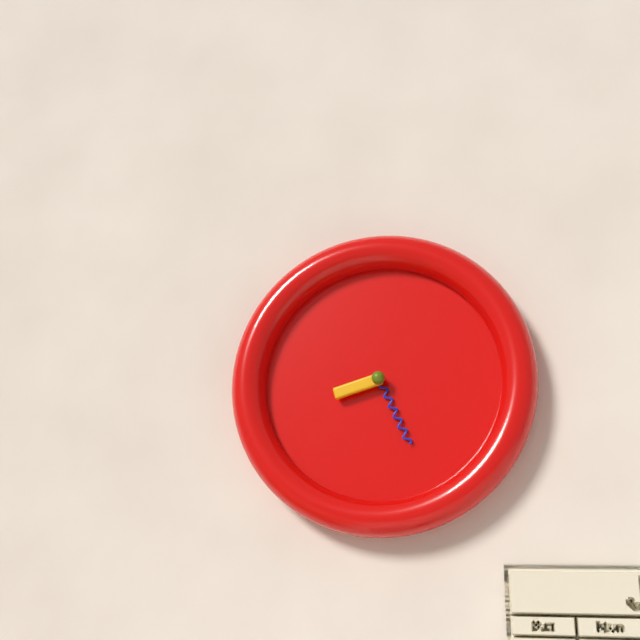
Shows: 8:26
